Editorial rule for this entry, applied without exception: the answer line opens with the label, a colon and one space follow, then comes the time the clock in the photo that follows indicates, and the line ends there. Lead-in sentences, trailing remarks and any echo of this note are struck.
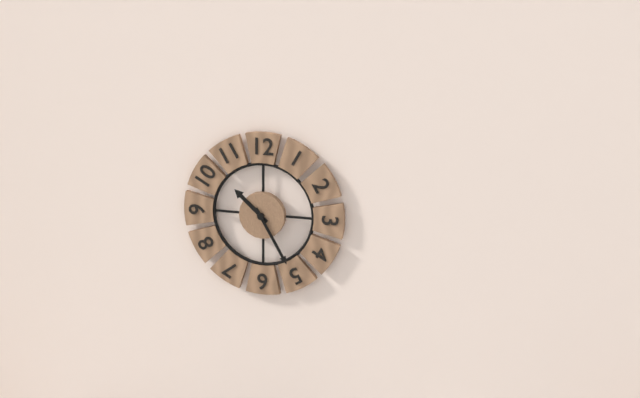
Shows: 10:25
